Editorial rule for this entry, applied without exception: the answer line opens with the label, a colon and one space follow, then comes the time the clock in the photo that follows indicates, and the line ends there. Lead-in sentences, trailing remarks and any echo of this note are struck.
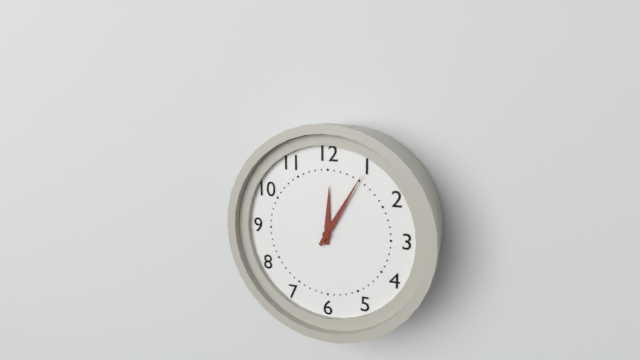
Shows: 12:05
